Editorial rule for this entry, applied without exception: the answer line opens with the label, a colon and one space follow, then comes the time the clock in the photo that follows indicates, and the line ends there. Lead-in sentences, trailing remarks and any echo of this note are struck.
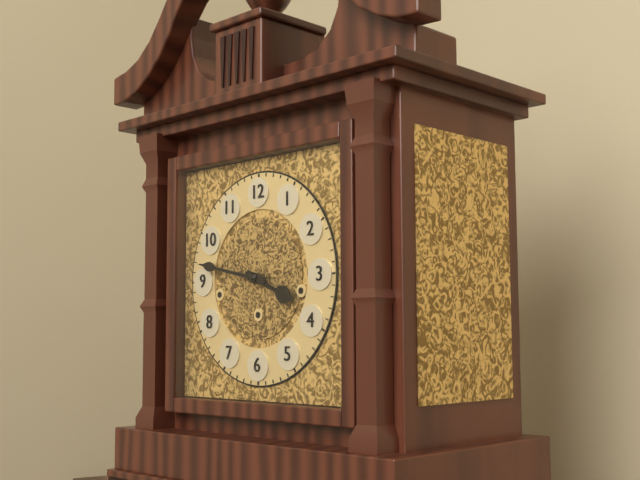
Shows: 3:47
